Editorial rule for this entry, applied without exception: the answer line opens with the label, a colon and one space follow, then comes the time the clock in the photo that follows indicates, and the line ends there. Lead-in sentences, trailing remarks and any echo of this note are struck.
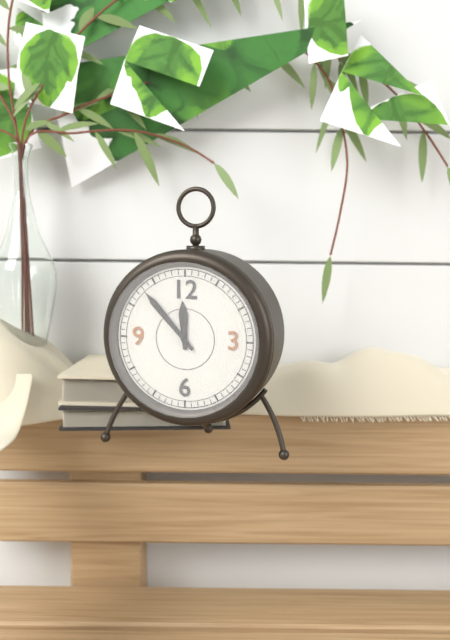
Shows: 11:53
